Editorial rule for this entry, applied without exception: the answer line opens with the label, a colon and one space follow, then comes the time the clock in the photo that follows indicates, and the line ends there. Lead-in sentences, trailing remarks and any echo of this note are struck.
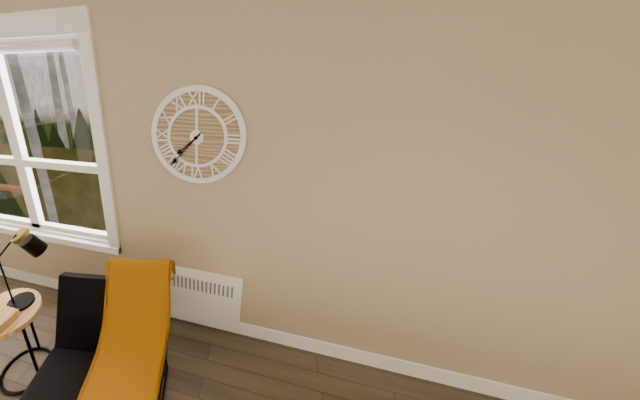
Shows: 7:37
